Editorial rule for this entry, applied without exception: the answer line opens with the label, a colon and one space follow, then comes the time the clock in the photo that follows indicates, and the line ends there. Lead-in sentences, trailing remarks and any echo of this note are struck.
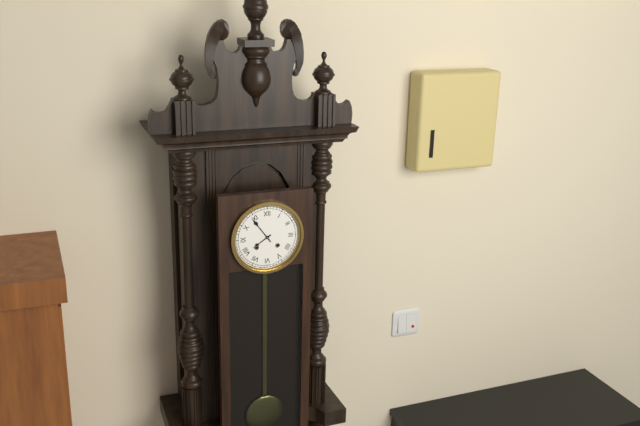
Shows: 7:54
